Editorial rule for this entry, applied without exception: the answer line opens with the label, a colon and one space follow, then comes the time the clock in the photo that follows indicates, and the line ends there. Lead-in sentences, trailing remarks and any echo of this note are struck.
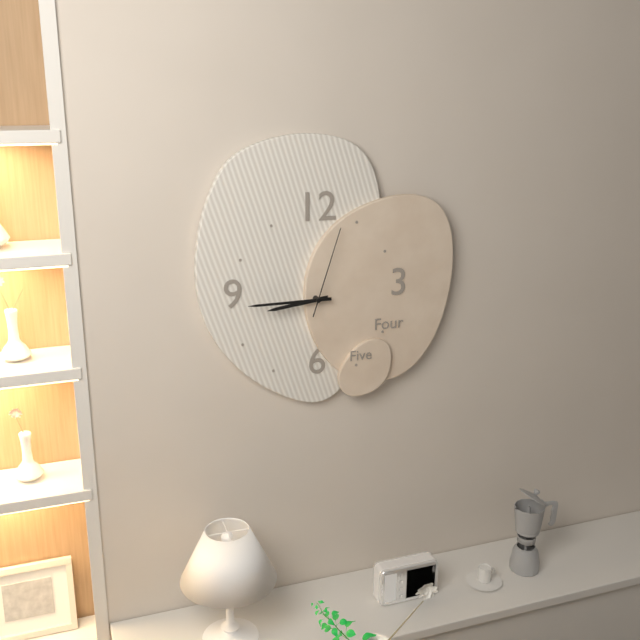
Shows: 8:45:03
